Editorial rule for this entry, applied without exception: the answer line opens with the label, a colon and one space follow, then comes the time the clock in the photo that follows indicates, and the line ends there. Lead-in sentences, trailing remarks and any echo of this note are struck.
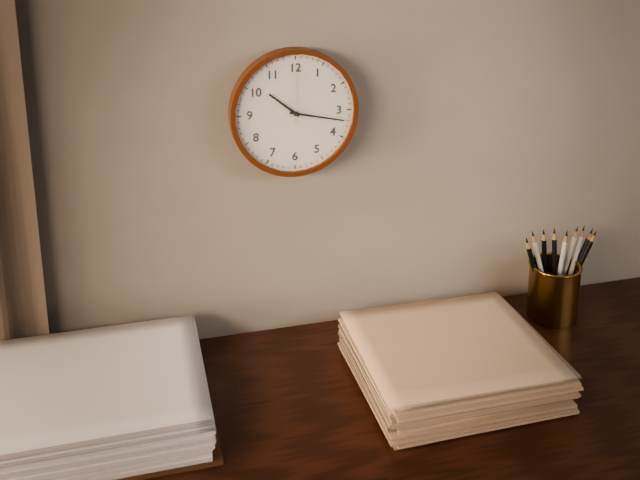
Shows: 10:17:00
